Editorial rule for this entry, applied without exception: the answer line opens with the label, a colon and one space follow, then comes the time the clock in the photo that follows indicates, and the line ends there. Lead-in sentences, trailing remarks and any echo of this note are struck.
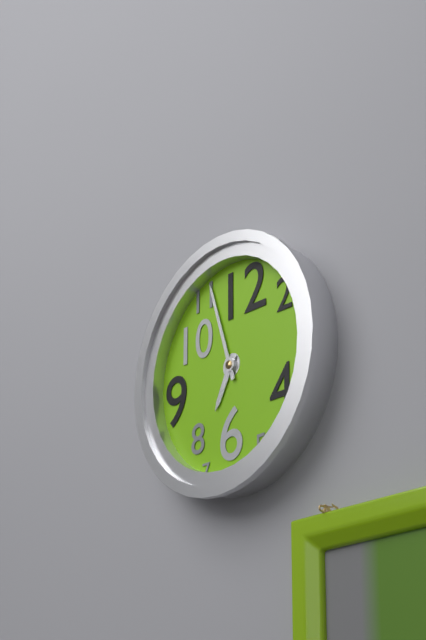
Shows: 6:57
